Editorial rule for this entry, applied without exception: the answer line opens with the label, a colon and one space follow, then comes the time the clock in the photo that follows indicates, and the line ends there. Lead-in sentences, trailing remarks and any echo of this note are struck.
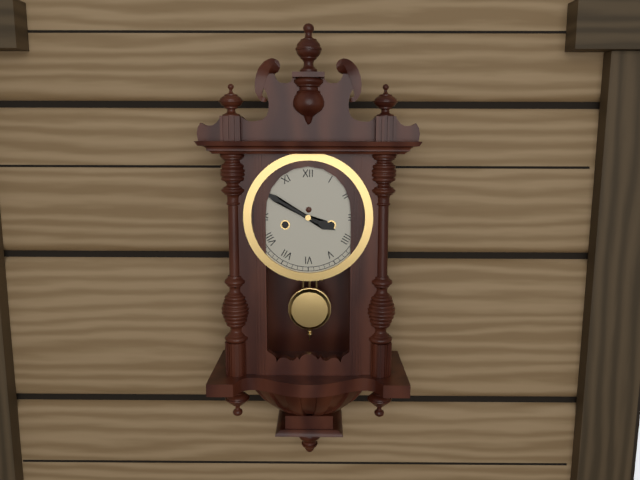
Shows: 3:50
